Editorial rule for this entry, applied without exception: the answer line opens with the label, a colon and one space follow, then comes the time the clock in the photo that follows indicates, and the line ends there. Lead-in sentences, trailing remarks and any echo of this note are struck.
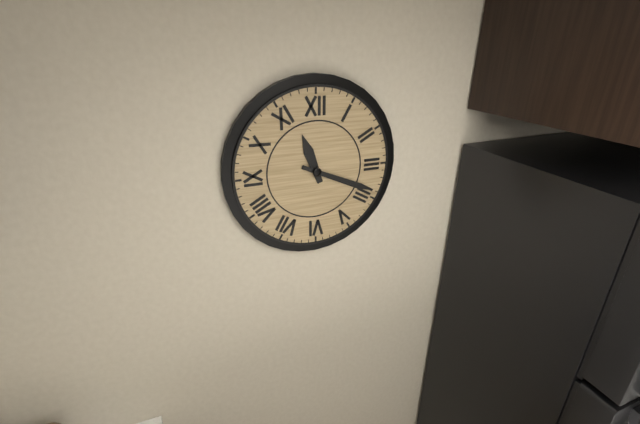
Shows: 11:19
